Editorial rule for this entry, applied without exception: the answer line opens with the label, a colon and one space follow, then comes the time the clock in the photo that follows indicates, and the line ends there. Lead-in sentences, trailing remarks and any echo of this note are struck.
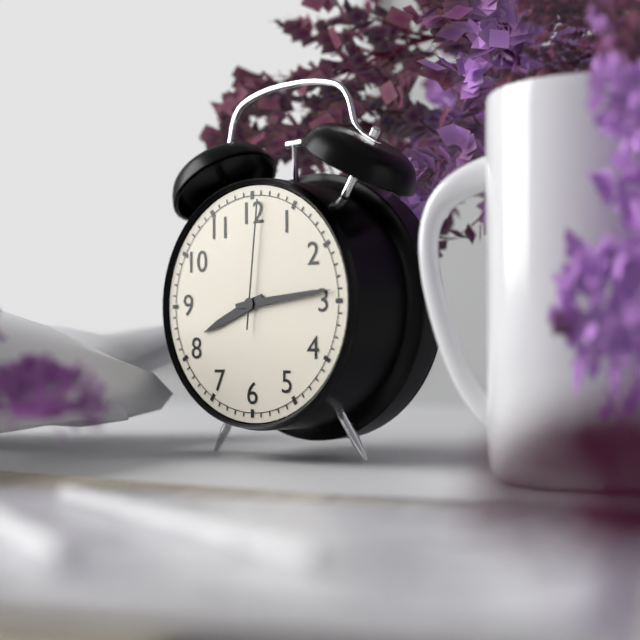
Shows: 8:14:01
